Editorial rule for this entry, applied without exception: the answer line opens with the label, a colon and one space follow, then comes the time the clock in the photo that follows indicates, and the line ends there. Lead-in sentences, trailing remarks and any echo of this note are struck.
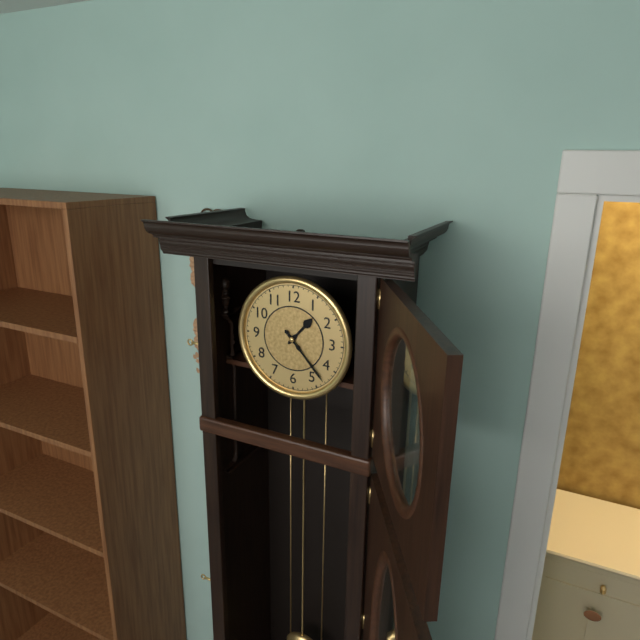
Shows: 1:23
